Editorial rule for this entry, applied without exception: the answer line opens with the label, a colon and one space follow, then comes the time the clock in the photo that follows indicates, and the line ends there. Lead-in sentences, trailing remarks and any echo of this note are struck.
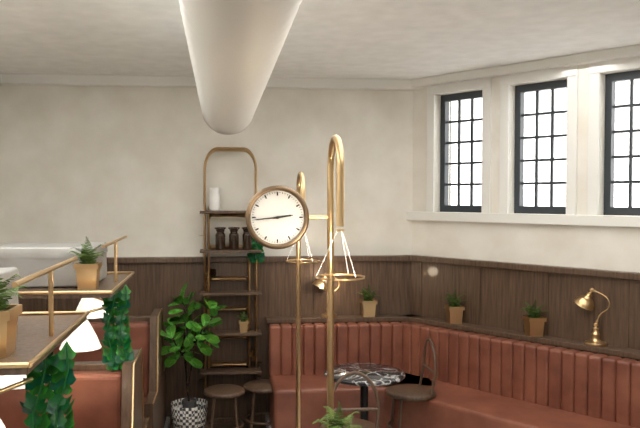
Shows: 2:44
